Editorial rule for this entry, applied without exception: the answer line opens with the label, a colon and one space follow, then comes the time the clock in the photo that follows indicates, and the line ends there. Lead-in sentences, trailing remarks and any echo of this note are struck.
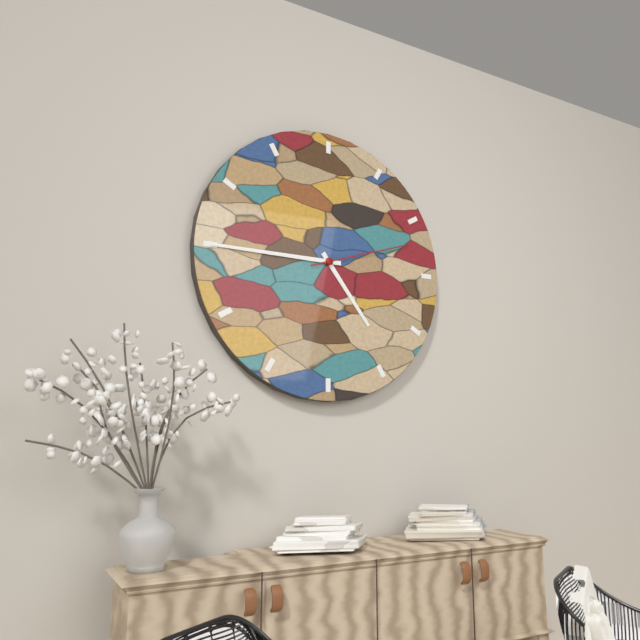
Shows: 4:45:12
